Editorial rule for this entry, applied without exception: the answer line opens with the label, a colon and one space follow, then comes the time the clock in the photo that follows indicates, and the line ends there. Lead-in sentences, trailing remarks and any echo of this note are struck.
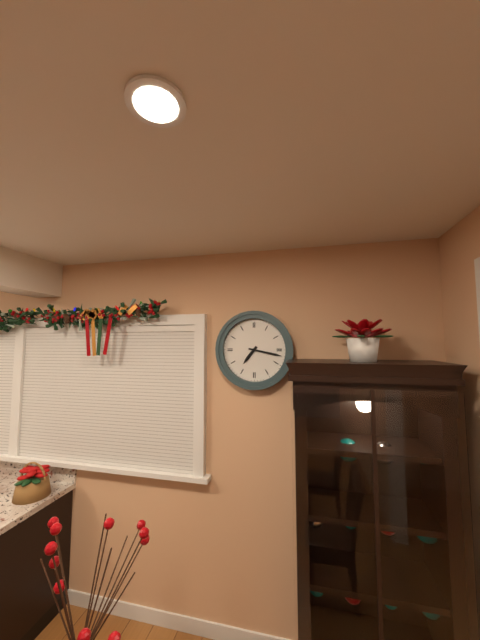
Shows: 7:17
